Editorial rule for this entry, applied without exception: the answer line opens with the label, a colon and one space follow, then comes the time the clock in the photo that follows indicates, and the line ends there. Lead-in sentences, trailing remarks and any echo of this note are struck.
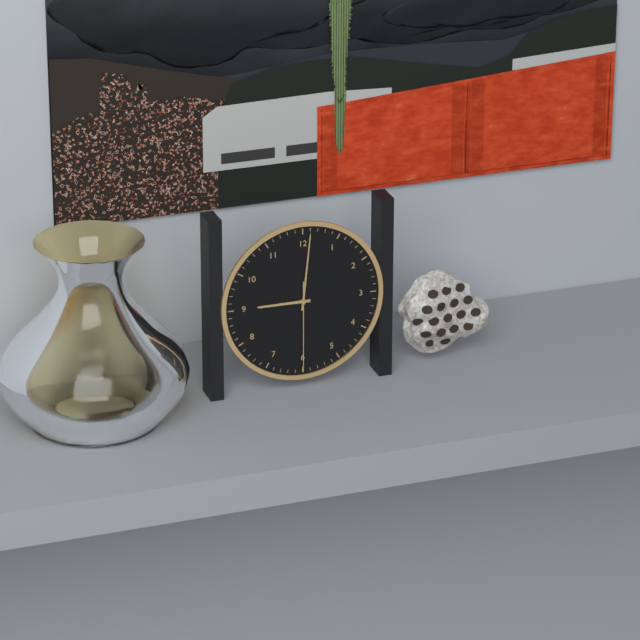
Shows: 9:01:30
